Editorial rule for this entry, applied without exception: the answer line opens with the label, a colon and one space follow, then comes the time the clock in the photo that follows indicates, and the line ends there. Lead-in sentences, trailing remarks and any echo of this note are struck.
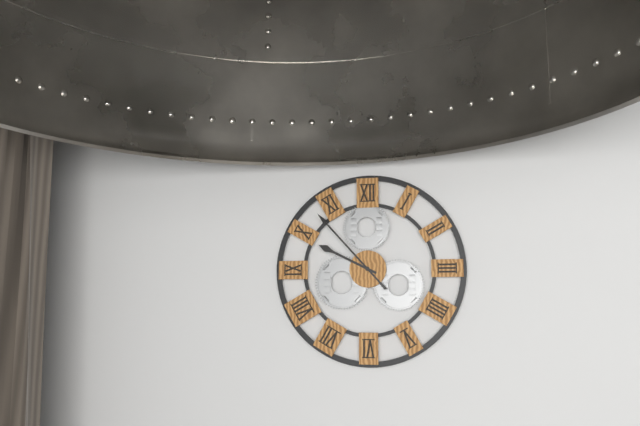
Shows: 9:53
